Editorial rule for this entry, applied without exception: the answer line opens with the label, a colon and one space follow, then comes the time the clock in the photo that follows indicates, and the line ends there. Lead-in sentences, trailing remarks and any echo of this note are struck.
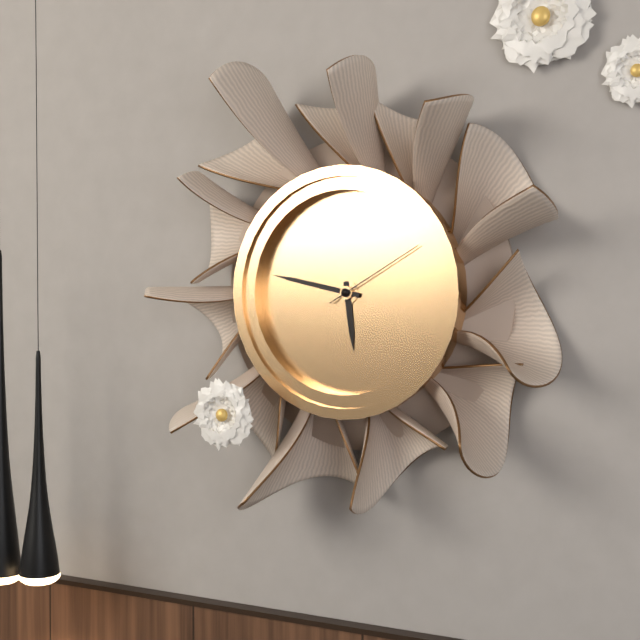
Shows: 5:47:10
